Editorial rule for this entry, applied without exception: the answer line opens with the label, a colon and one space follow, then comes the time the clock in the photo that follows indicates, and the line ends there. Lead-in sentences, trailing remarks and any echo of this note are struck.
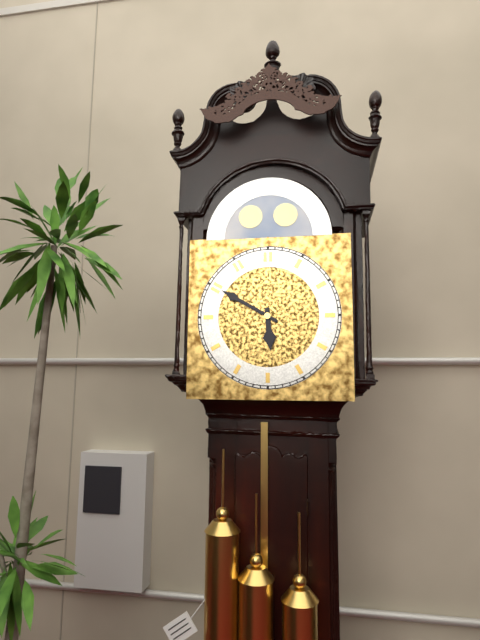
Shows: 5:50
